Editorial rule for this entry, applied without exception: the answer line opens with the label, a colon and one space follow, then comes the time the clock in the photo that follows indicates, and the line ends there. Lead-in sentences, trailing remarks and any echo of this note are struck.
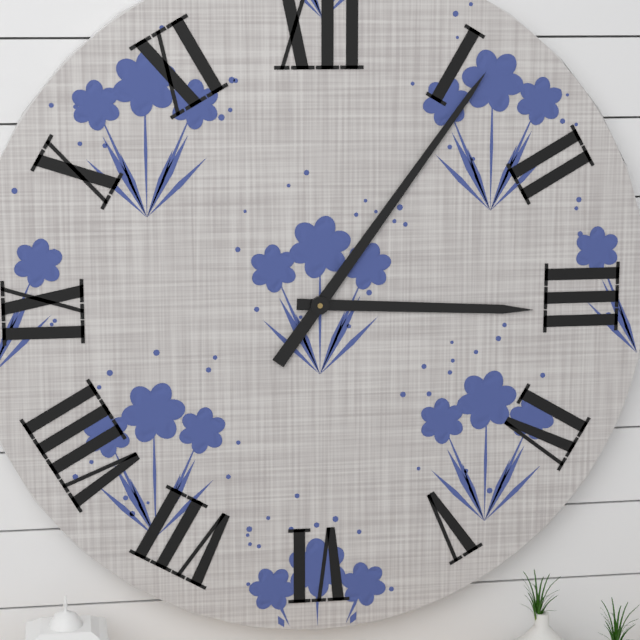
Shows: 3:06
